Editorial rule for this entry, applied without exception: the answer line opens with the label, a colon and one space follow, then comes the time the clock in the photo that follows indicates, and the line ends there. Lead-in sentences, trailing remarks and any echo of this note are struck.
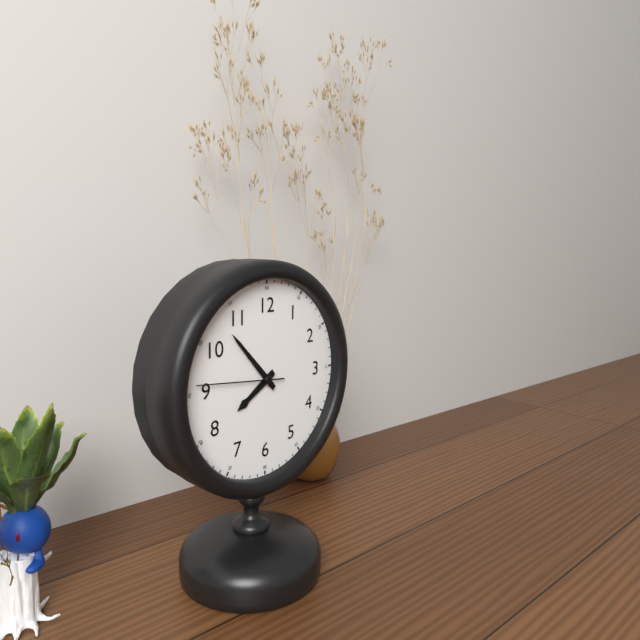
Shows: 7:53:46
